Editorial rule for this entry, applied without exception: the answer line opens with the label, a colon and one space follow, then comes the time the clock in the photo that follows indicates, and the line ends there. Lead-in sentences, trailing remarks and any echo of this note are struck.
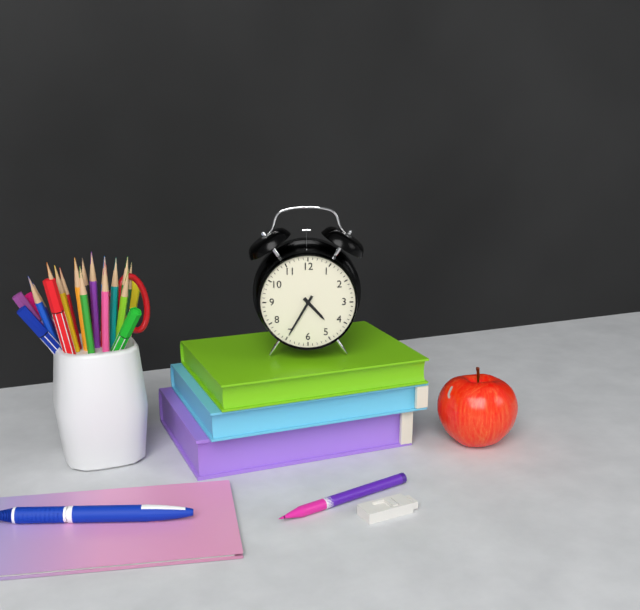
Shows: 4:35
